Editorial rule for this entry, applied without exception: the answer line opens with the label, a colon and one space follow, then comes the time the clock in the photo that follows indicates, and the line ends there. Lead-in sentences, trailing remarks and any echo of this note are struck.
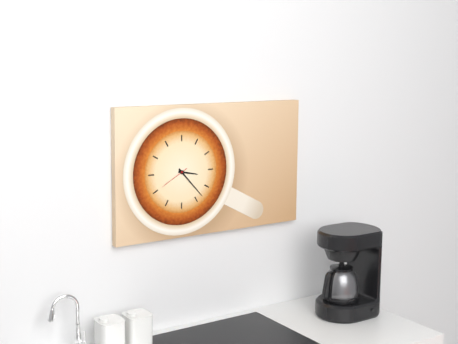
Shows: 3:23
